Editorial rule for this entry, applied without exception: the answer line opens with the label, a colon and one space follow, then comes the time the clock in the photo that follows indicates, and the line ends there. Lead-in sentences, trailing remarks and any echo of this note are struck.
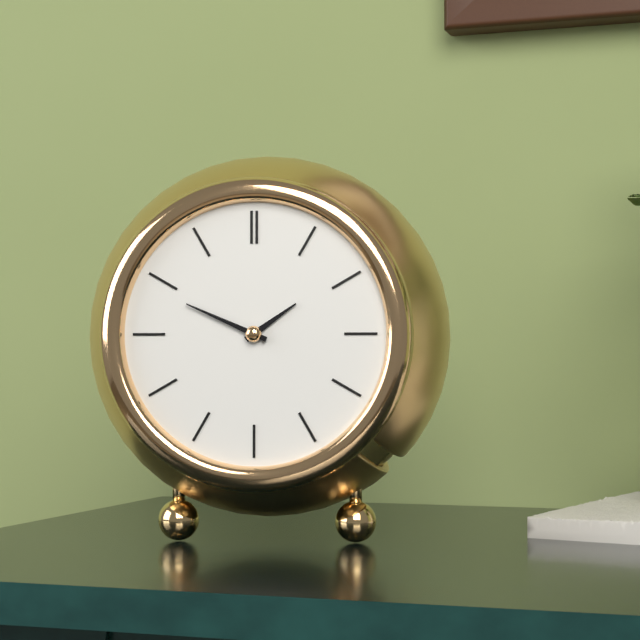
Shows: 1:49
